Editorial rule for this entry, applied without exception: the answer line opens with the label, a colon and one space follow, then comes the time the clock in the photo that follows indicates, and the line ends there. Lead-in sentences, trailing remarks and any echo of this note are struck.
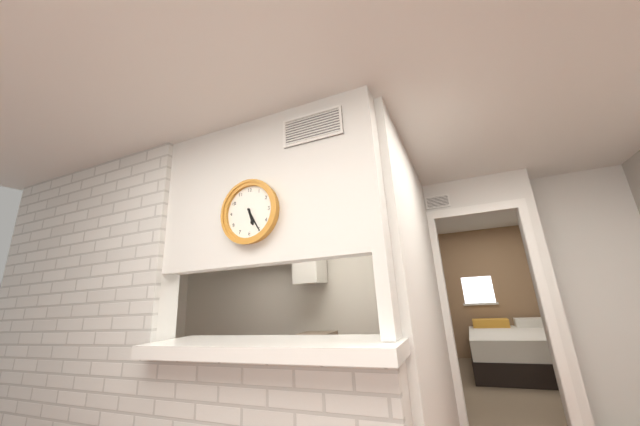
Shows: 5:25
